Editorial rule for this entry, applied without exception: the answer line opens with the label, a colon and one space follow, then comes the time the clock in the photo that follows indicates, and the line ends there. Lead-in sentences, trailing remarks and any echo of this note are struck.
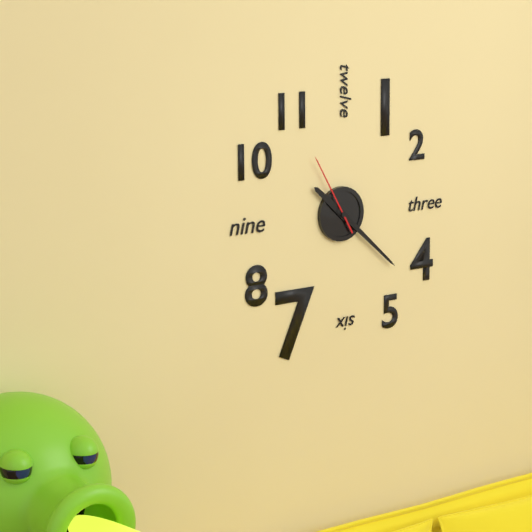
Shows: 10:22:55
